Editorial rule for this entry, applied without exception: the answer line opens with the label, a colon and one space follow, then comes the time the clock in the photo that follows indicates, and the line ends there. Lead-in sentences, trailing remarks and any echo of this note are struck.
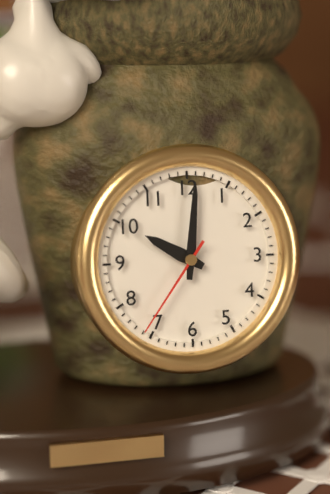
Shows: 10:01:36
